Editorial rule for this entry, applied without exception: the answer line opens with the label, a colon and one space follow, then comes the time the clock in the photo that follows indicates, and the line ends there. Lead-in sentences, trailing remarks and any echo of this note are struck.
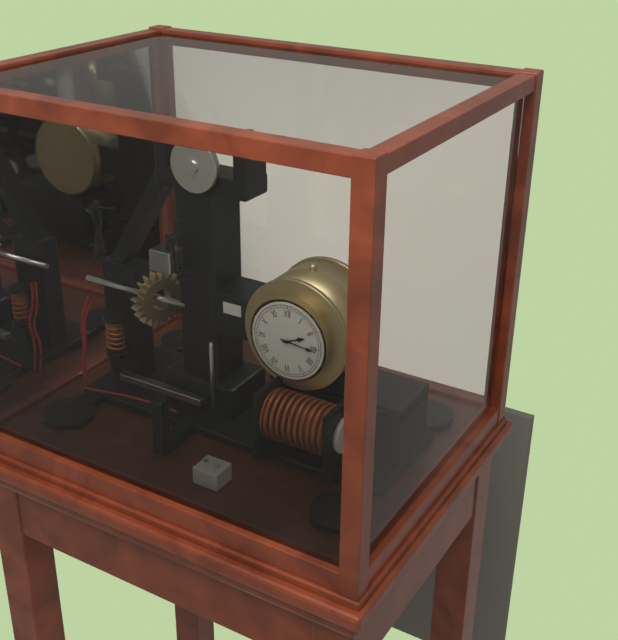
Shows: 2:16
